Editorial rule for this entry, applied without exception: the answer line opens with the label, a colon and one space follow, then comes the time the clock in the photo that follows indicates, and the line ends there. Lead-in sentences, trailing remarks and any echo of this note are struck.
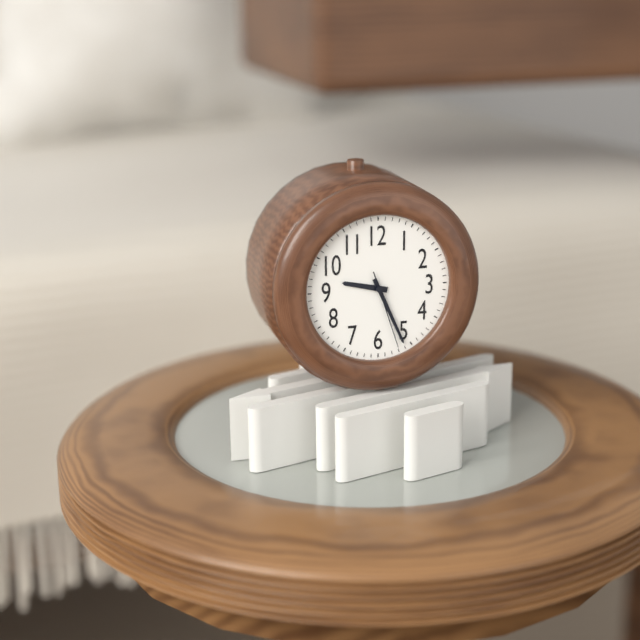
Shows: 9:26:27
